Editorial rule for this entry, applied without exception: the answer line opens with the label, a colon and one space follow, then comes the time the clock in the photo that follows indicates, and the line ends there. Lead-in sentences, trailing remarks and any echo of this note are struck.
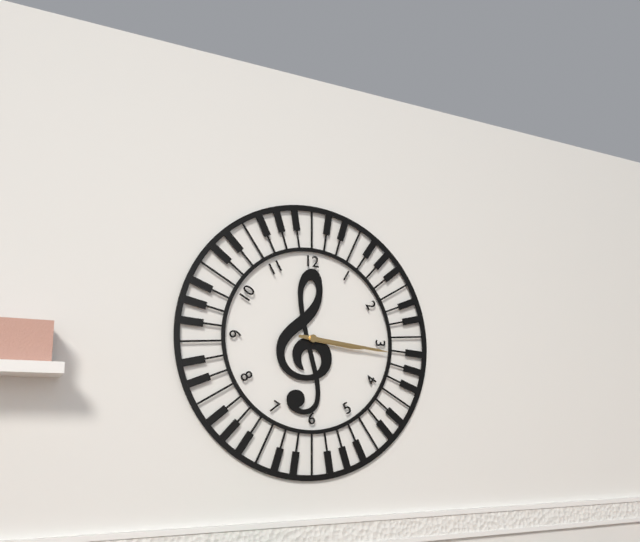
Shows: 3:16
